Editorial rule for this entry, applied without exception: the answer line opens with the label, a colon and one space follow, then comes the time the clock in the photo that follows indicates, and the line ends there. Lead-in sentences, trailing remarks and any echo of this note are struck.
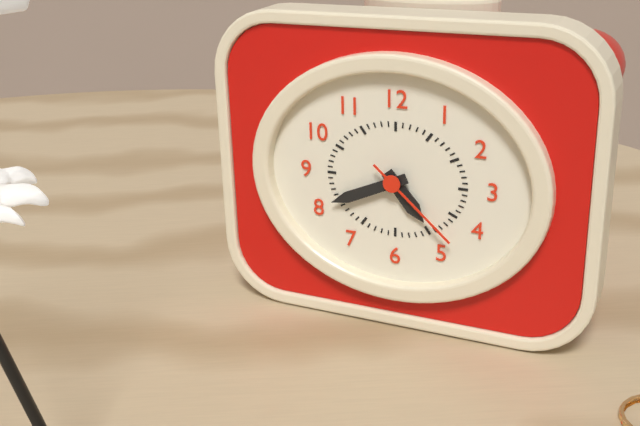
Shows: 4:41:22
